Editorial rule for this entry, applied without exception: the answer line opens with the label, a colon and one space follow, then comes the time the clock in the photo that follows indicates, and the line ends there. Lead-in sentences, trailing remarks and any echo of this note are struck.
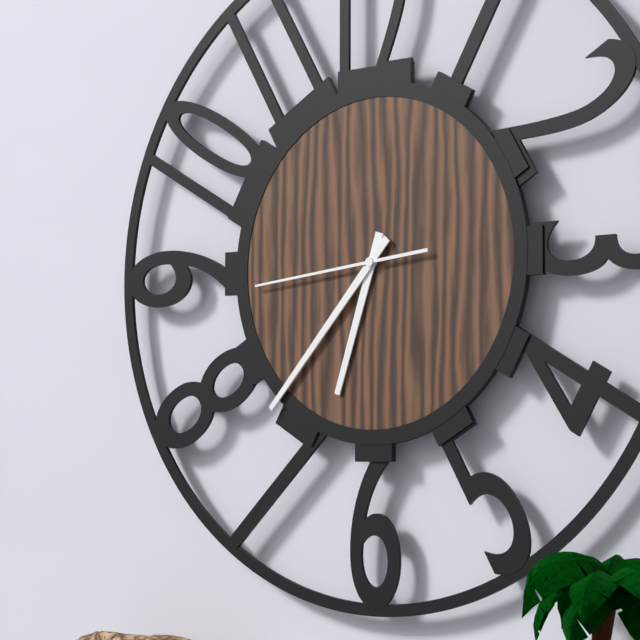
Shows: 6:37:44
